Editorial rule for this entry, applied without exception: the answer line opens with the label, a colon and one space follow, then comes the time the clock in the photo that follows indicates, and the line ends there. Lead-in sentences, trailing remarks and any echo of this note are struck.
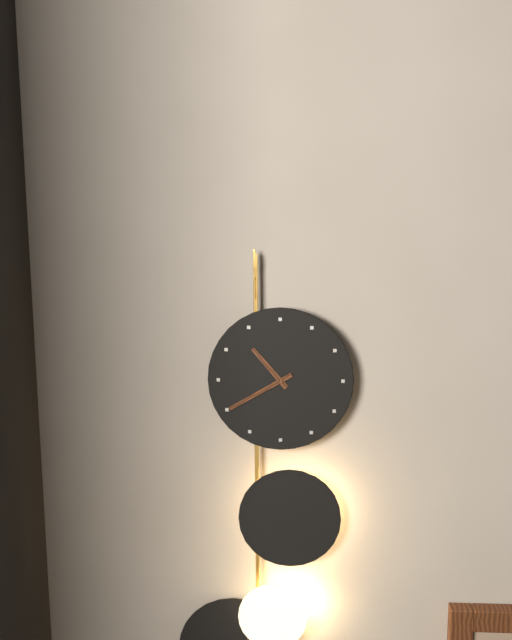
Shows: 10:40
